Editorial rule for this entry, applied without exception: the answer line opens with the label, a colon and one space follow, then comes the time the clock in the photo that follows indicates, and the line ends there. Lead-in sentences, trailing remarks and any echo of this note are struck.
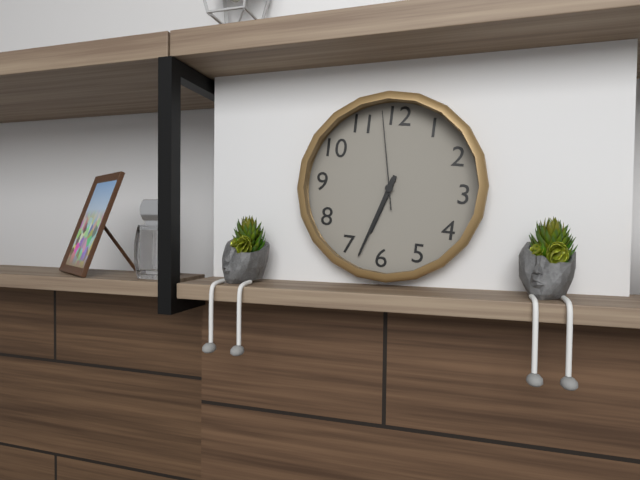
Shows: 6:33:58
